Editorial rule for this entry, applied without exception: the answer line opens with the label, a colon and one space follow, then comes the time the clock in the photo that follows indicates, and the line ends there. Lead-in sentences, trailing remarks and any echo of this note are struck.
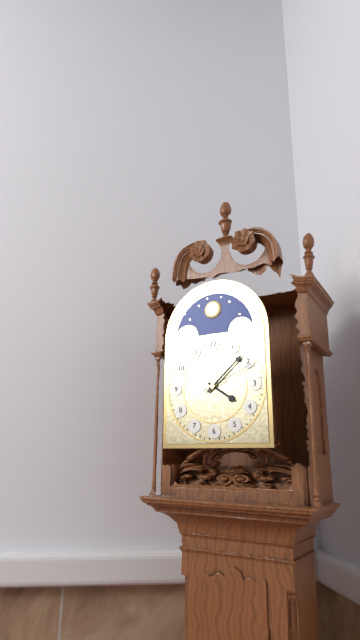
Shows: 4:08:11
